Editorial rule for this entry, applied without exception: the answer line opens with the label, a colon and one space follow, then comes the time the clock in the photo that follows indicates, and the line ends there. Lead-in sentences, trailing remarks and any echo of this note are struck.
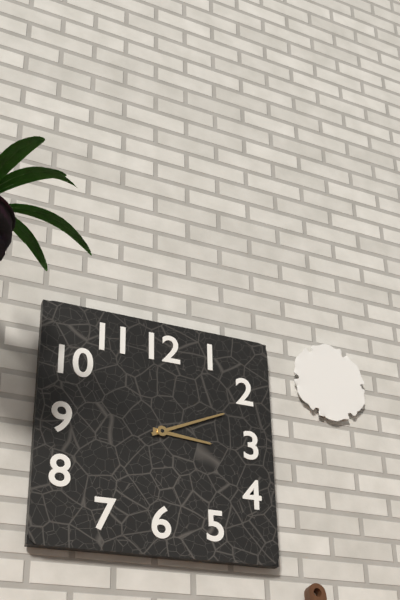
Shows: 3:11
